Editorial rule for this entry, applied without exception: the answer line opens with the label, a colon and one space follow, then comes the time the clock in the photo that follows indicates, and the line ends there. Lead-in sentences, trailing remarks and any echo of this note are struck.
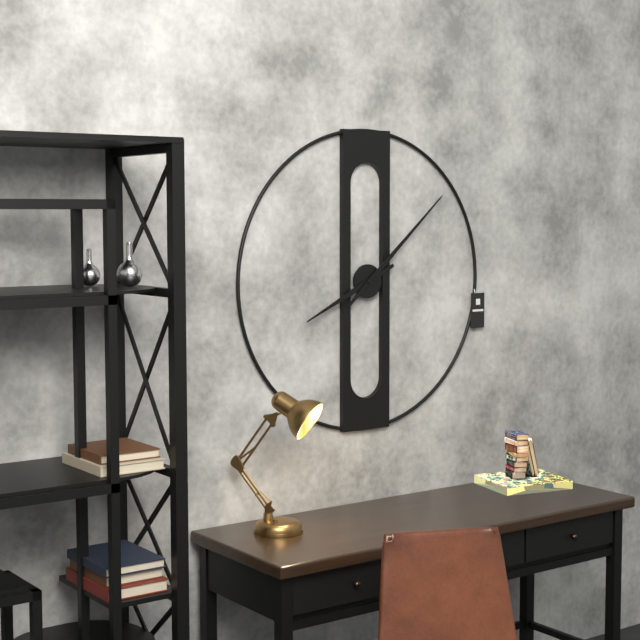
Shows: 8:08
